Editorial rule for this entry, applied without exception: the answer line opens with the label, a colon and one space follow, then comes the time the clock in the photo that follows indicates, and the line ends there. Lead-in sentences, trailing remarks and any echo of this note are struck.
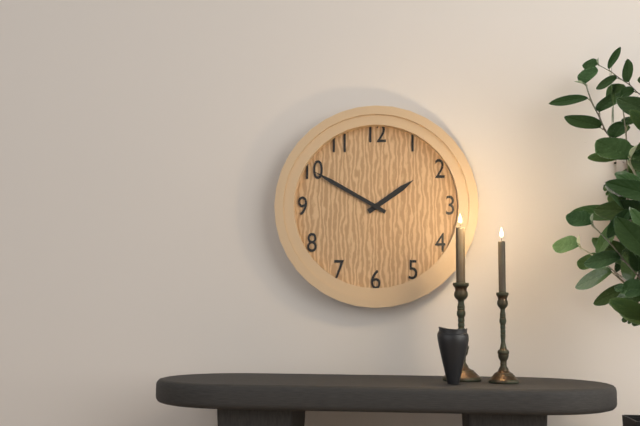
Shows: 1:50
